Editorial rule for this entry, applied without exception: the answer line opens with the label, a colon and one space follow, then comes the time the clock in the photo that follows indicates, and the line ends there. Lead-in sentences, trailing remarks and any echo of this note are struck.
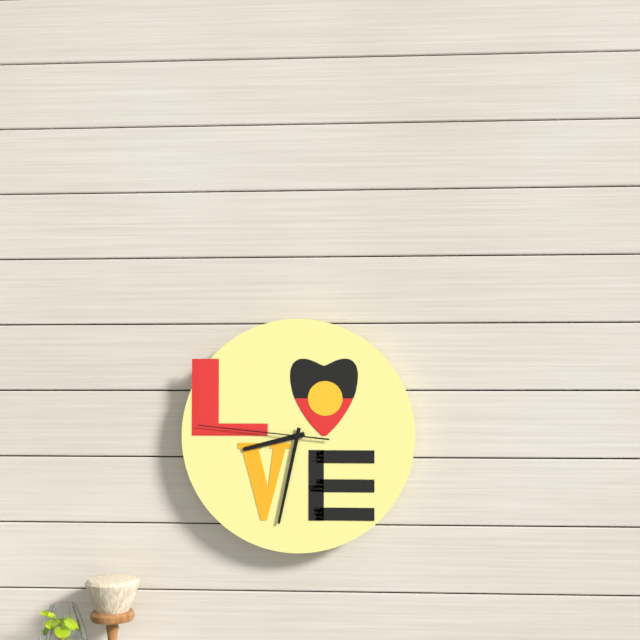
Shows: 8:32:46
